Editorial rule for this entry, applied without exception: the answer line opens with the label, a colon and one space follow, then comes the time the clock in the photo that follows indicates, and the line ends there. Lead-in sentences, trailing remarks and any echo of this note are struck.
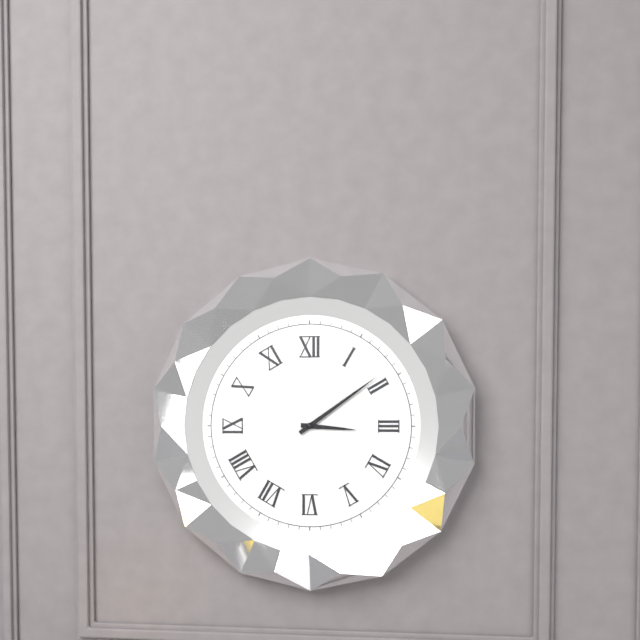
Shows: 3:09
